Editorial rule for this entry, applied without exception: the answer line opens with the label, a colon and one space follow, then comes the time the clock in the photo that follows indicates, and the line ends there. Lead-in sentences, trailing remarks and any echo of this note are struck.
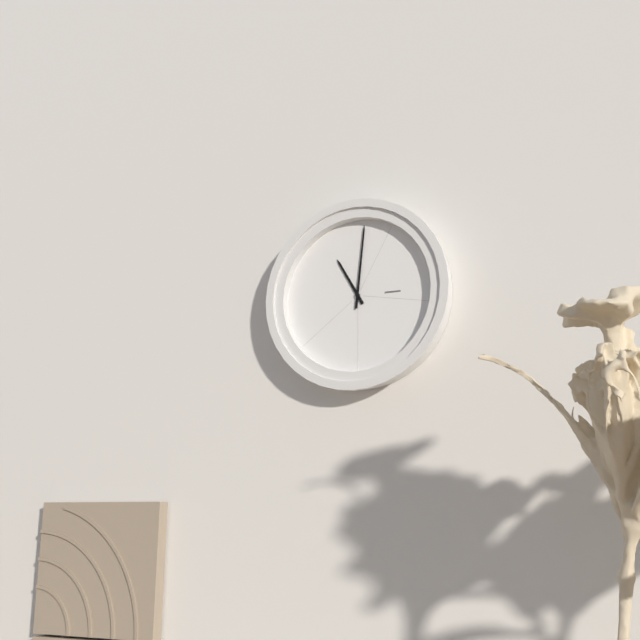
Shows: 11:01
